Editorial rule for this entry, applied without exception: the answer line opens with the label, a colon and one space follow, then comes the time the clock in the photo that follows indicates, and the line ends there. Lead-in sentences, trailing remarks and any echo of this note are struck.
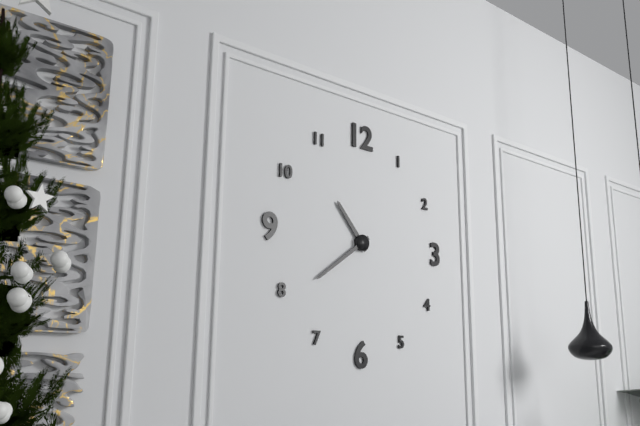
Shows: 10:39
